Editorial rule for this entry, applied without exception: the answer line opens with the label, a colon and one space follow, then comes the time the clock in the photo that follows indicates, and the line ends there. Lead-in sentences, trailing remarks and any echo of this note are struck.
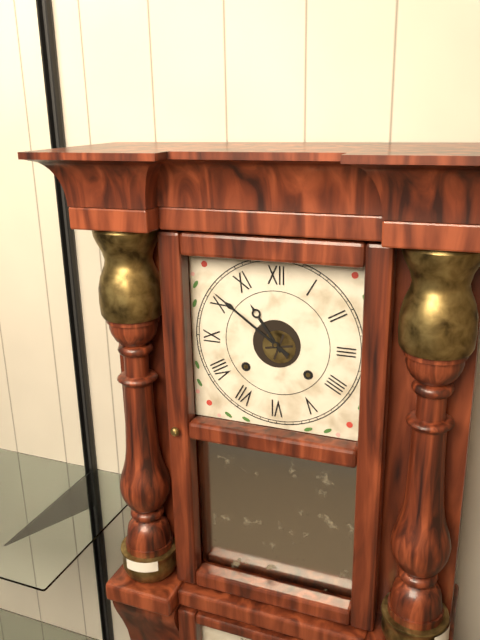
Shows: 10:51
